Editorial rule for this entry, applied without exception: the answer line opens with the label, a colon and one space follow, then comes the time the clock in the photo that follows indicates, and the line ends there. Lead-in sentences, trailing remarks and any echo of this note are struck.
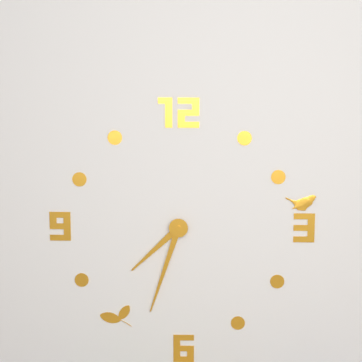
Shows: 7:33
